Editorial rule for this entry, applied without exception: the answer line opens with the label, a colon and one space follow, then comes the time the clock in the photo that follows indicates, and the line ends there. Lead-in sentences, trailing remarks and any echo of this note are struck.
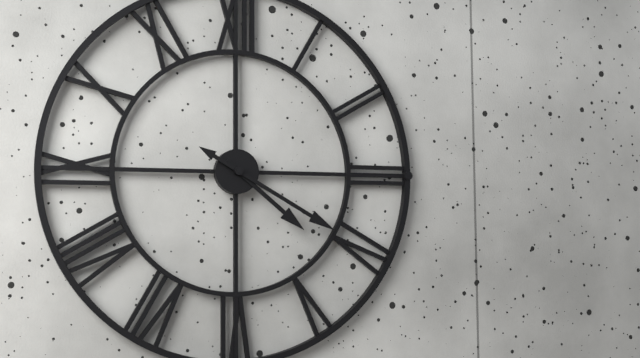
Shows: 4:20
